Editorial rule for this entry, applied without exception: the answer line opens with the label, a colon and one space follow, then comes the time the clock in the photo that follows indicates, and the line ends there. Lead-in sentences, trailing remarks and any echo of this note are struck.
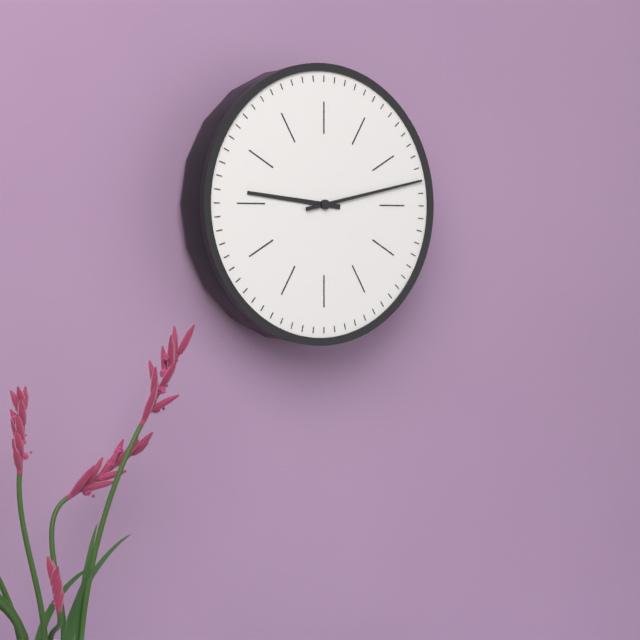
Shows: 9:13
